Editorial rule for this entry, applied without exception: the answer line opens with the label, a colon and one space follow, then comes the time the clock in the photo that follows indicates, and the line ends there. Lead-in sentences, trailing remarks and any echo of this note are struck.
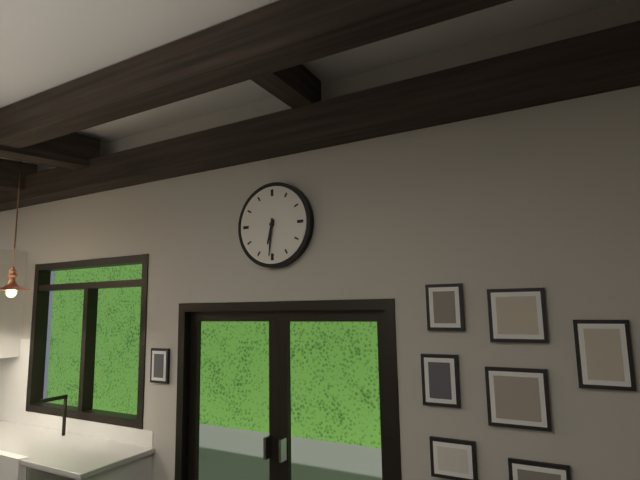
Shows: 6:31
